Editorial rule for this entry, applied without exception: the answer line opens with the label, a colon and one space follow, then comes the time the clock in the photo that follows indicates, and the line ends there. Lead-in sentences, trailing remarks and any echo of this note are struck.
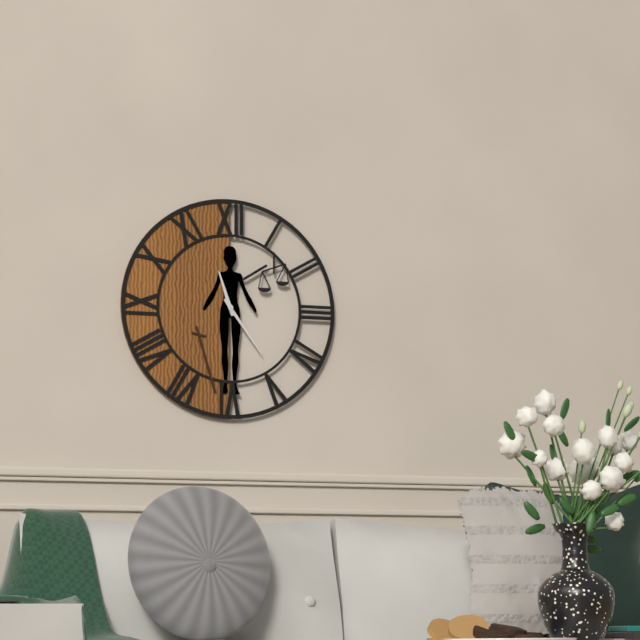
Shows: 11:24
